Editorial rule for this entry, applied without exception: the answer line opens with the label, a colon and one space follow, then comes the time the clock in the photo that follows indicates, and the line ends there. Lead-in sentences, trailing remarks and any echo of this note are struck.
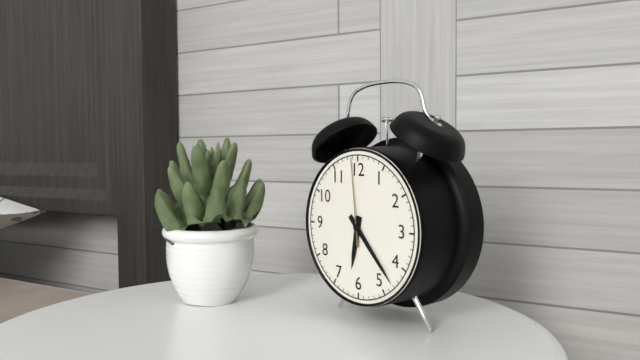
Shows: 6:23:59
